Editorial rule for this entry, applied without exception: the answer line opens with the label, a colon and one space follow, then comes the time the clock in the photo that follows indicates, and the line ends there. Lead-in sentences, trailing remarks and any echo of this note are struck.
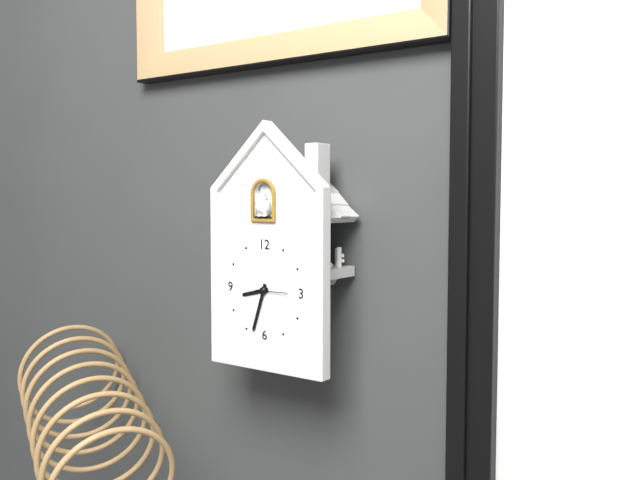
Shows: 8:33
